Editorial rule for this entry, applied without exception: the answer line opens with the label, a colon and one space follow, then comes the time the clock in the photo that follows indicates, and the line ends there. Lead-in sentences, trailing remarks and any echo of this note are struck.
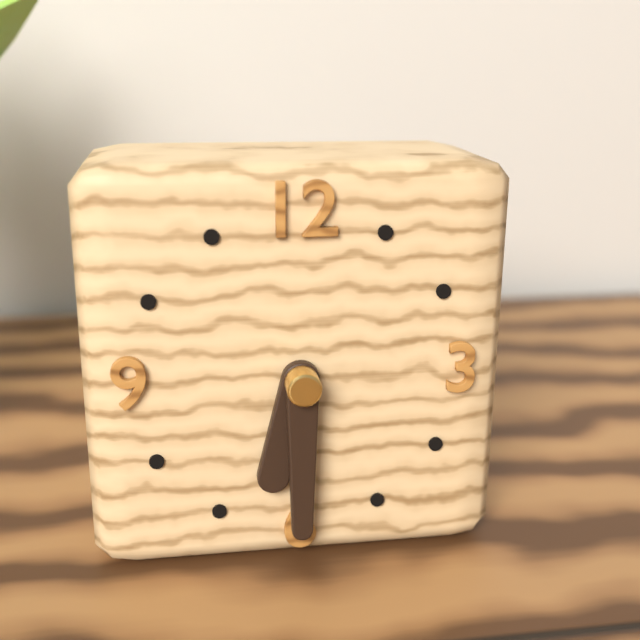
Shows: 6:30
